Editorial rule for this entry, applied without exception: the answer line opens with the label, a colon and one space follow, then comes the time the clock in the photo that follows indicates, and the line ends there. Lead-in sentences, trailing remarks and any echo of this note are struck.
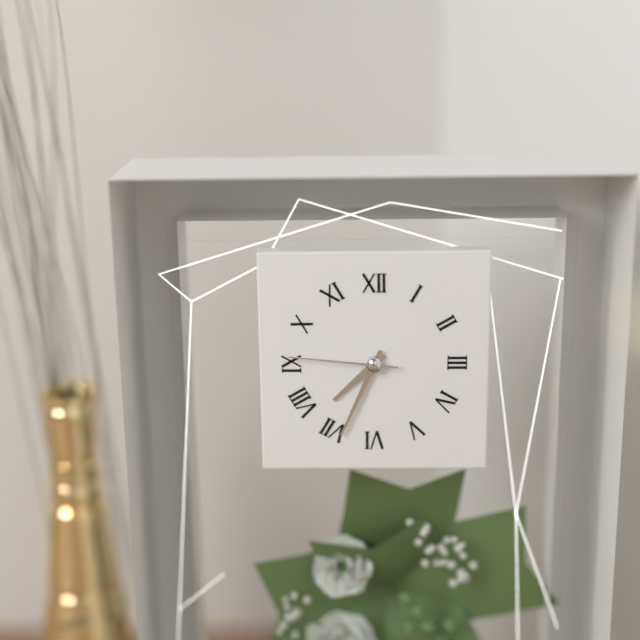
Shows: 7:34:46
